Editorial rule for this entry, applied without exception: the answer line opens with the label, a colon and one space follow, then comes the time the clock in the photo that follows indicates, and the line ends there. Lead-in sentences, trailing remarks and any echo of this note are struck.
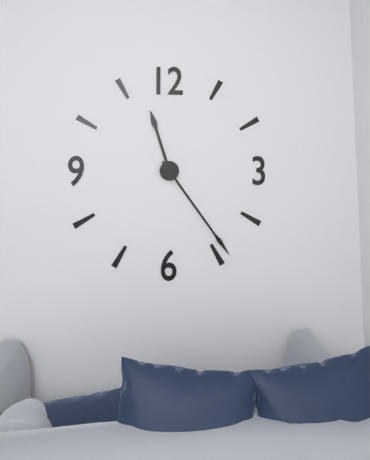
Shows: 11:24
